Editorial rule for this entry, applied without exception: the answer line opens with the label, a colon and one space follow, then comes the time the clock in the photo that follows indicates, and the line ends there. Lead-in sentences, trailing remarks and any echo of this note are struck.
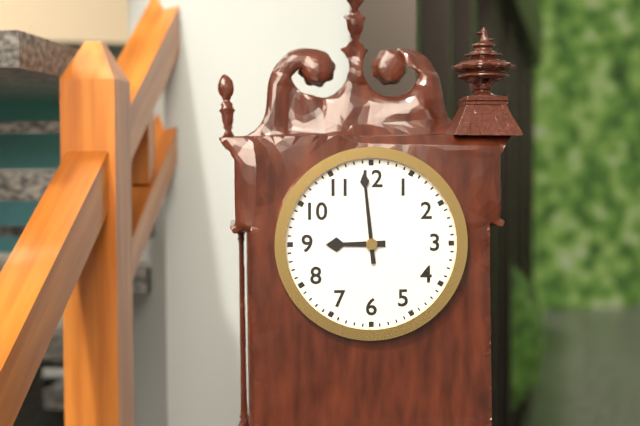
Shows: 8:59
